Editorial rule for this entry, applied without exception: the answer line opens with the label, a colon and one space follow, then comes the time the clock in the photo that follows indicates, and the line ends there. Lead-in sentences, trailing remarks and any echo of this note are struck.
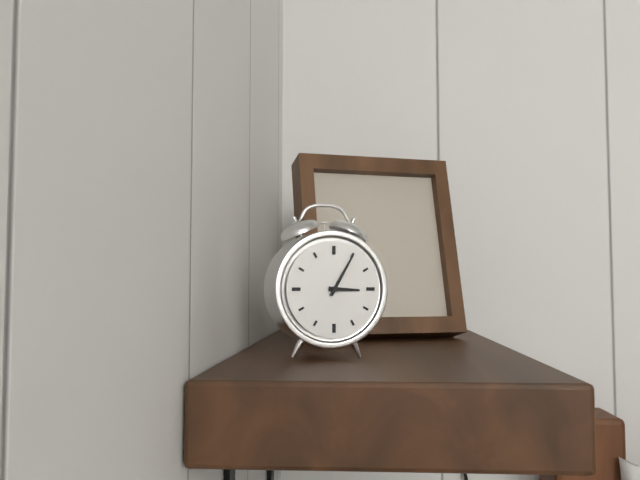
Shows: 3:05
